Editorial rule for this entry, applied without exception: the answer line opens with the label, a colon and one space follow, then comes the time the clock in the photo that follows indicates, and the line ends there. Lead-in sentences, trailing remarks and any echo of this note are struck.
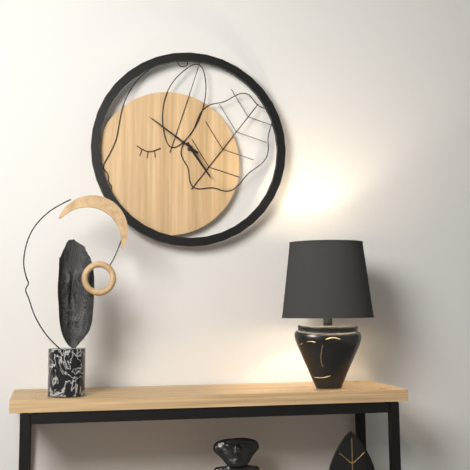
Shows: 4:51
